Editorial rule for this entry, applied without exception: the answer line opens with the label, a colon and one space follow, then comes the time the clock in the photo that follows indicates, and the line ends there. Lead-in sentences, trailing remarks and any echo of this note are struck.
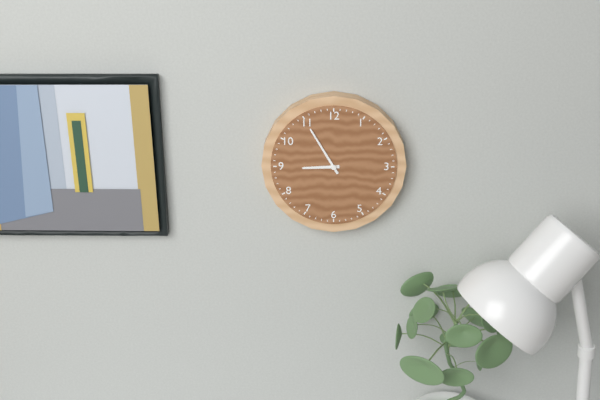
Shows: 8:55
